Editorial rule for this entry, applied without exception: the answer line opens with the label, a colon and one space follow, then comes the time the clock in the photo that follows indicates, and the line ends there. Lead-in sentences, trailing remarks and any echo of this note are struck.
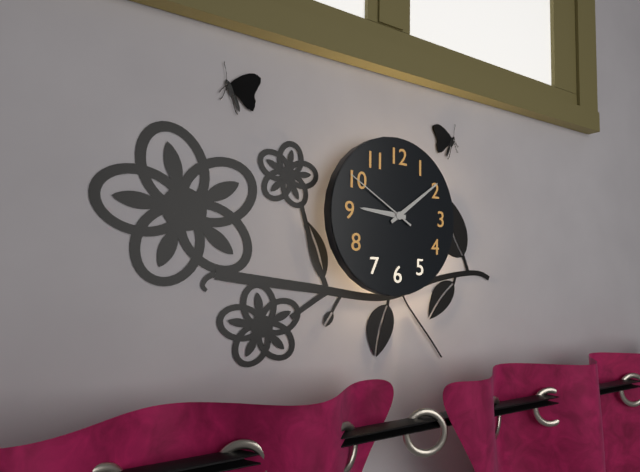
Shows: 9:09:50
